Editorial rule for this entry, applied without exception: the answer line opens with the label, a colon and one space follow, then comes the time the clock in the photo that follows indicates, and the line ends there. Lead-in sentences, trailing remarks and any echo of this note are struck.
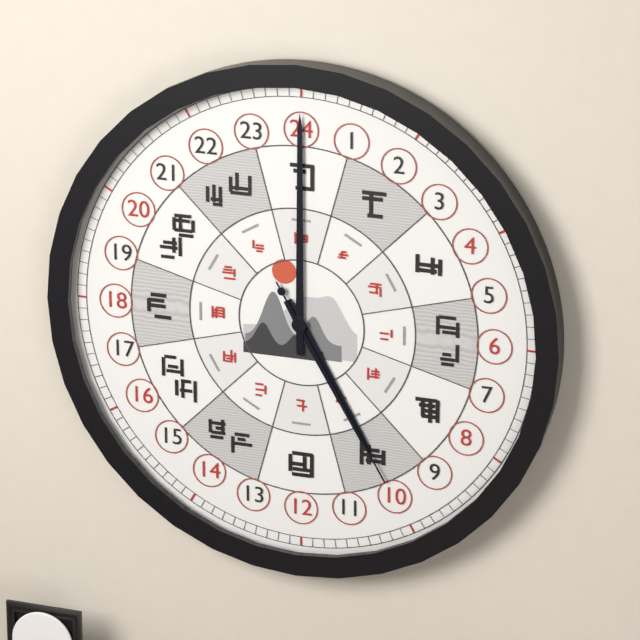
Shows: 5:00:25
